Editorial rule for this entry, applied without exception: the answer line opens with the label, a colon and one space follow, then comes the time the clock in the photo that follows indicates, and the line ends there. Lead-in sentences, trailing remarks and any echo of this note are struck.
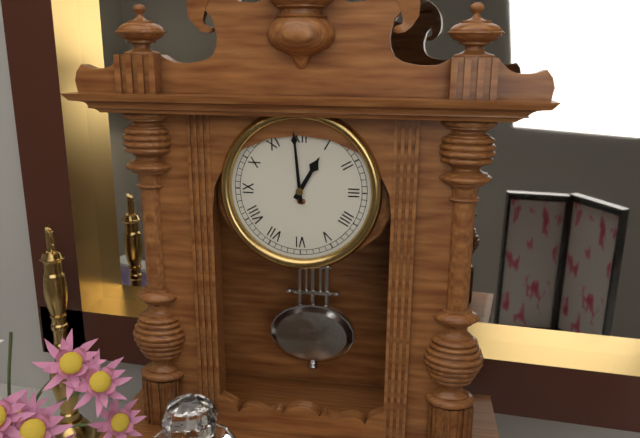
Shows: 12:59
